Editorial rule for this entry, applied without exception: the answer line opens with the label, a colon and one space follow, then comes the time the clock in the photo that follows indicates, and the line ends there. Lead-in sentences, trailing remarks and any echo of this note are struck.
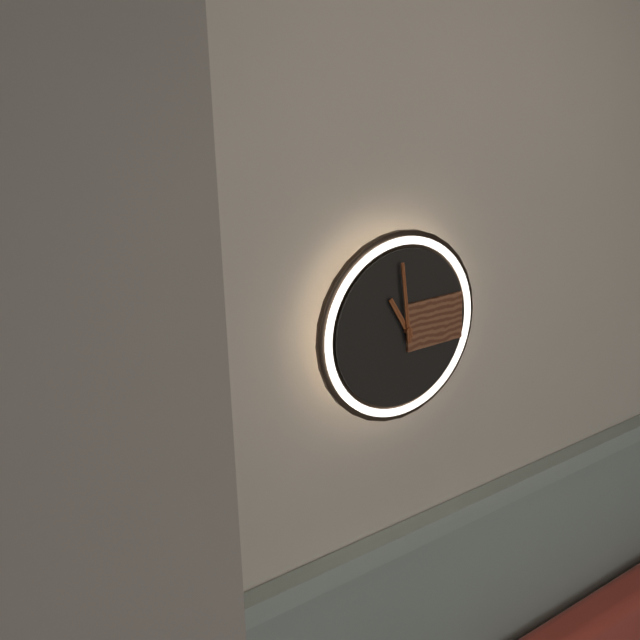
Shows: 10:59
